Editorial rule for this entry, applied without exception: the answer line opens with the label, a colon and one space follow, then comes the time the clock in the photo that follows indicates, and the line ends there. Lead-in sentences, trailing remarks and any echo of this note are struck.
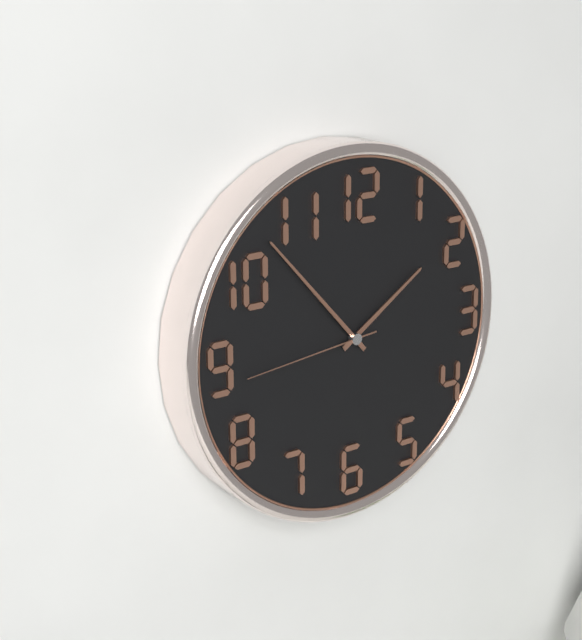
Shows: 1:53:44
